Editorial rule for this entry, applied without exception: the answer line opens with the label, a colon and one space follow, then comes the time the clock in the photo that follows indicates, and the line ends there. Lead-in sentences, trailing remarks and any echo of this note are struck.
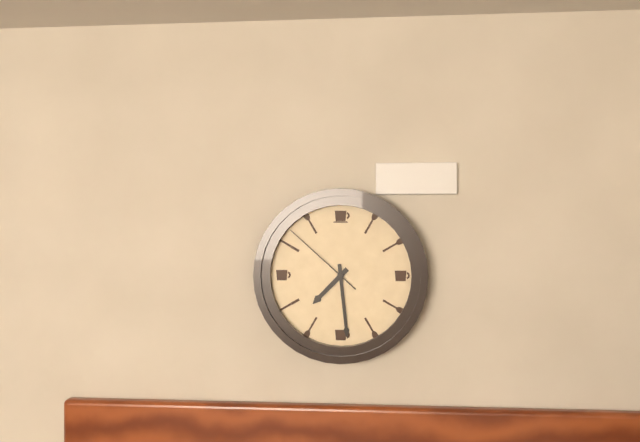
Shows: 7:29:52
